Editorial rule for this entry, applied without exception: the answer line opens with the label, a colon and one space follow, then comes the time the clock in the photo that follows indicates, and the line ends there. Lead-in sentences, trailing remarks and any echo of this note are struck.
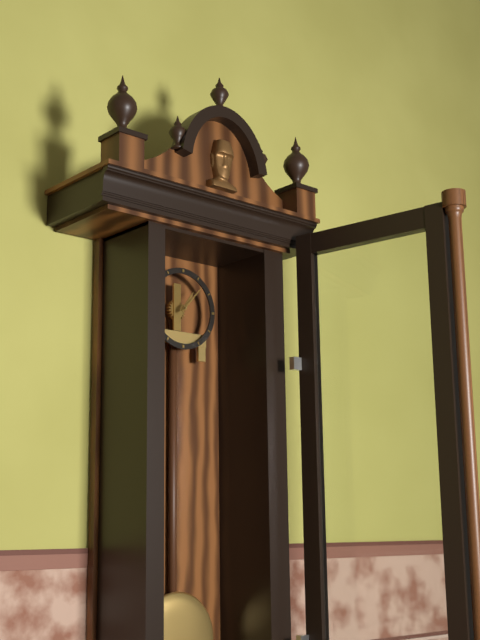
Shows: 1:07
